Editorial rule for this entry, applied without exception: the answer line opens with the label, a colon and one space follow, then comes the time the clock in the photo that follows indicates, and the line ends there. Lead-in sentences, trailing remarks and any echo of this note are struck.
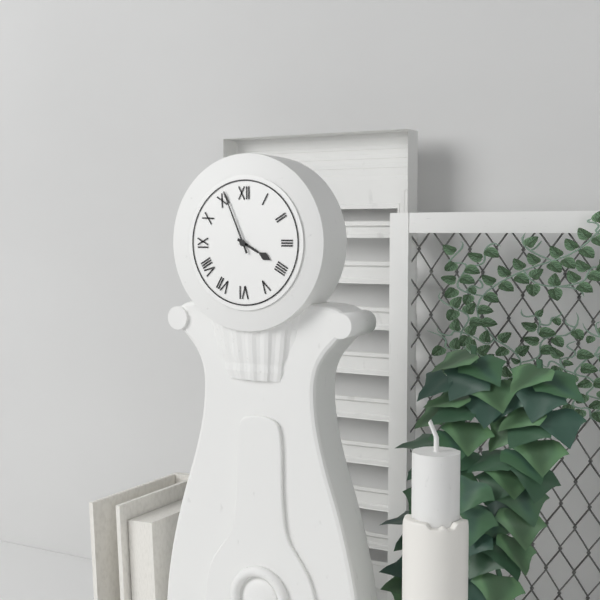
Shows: 3:56
